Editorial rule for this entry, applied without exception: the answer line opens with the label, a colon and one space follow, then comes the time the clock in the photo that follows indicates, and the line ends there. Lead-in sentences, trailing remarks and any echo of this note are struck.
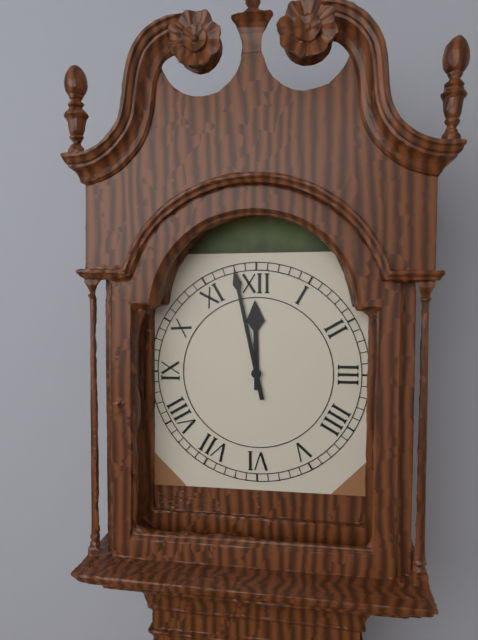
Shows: 11:58
